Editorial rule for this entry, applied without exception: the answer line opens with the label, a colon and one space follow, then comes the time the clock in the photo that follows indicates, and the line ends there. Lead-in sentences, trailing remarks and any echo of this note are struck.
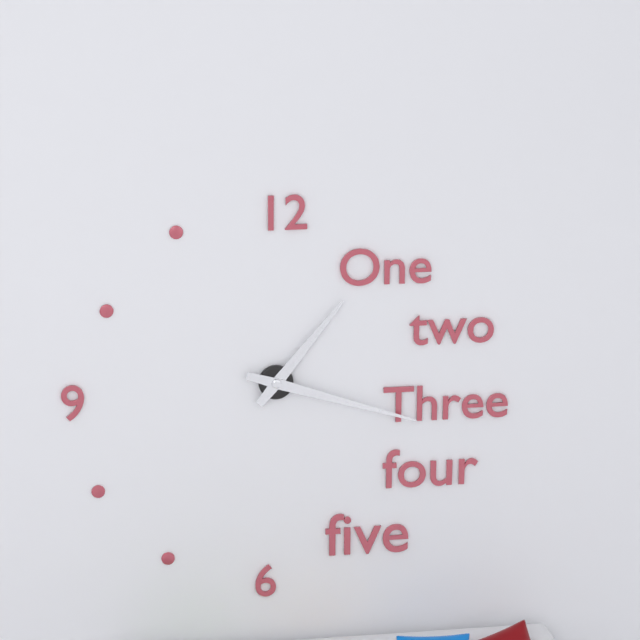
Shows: 1:18
